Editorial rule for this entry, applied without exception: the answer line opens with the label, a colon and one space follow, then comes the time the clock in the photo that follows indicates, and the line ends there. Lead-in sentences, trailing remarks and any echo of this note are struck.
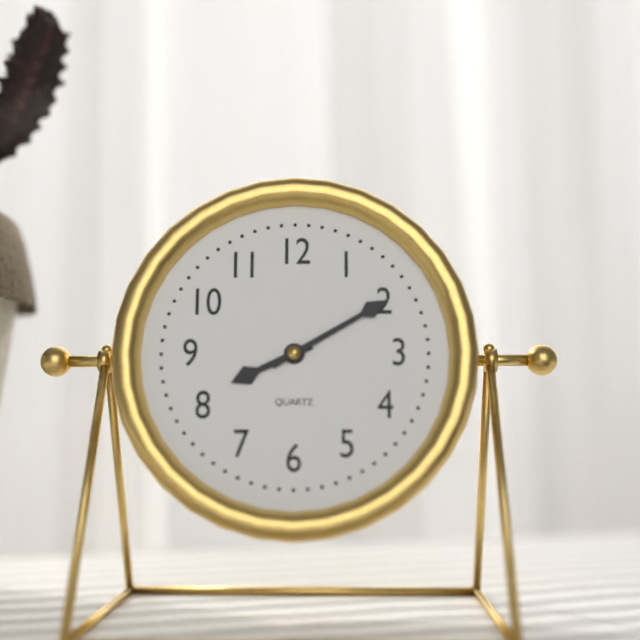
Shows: 8:10
